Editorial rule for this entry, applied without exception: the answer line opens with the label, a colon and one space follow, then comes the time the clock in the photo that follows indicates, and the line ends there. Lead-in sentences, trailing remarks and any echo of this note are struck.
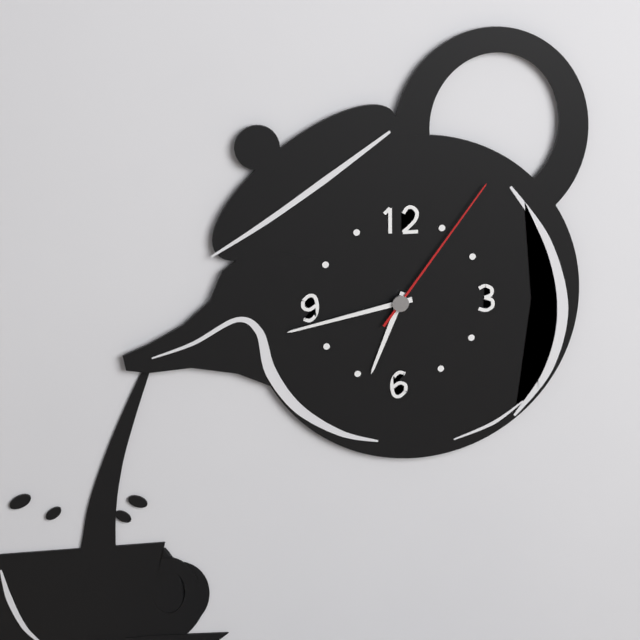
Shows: 6:43:06
